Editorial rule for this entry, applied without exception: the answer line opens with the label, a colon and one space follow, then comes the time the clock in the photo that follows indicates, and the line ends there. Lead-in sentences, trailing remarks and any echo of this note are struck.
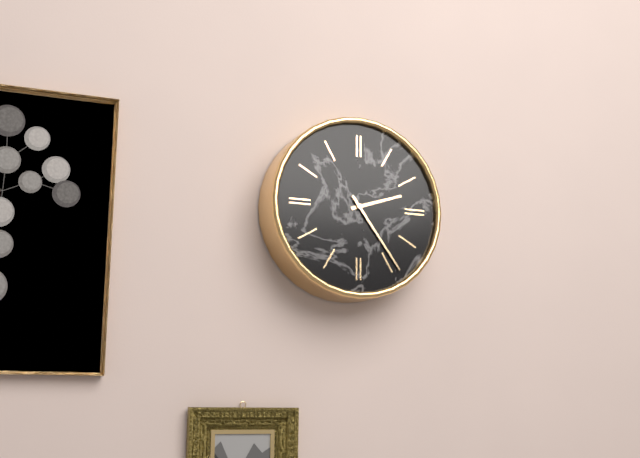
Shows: 2:24
